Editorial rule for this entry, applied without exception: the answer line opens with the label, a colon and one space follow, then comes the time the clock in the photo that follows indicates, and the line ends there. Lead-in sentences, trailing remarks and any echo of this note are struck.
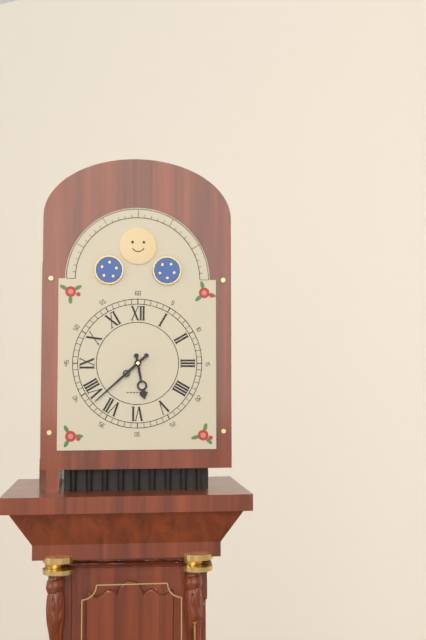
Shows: 5:38
